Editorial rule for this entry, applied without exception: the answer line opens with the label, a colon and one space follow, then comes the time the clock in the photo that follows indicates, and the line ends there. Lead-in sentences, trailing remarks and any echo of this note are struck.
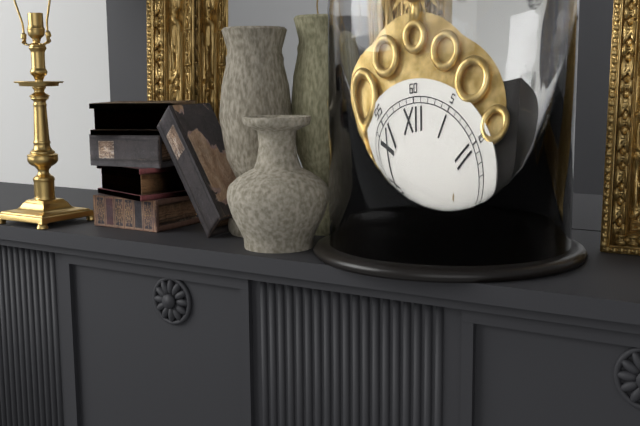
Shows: 2:27
